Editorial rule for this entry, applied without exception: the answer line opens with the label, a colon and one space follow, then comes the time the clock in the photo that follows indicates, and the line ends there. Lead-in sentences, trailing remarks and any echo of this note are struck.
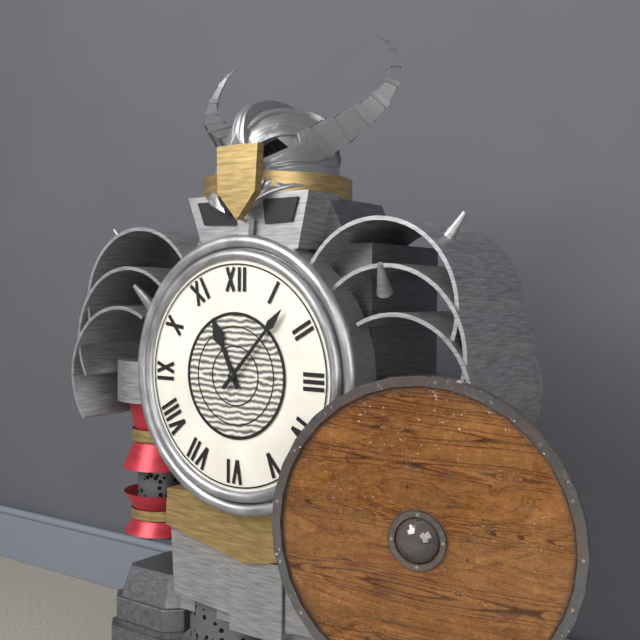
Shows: 11:07
